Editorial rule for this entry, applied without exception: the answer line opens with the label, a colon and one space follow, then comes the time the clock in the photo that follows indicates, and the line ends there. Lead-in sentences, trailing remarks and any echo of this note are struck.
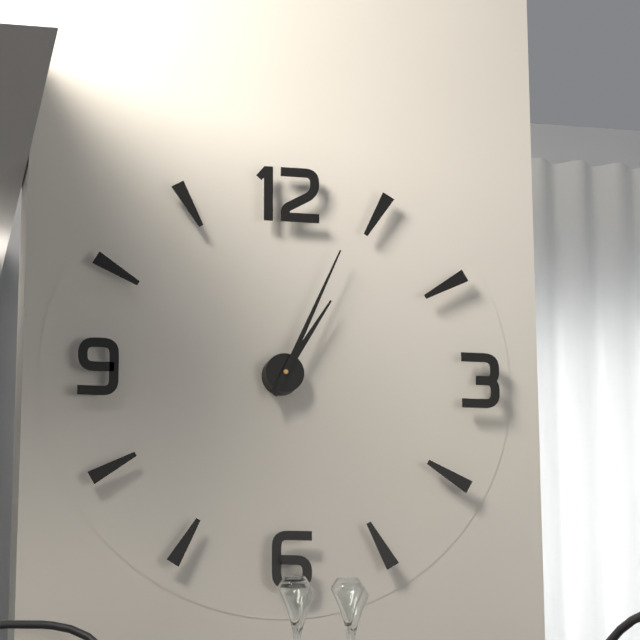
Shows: 1:04
